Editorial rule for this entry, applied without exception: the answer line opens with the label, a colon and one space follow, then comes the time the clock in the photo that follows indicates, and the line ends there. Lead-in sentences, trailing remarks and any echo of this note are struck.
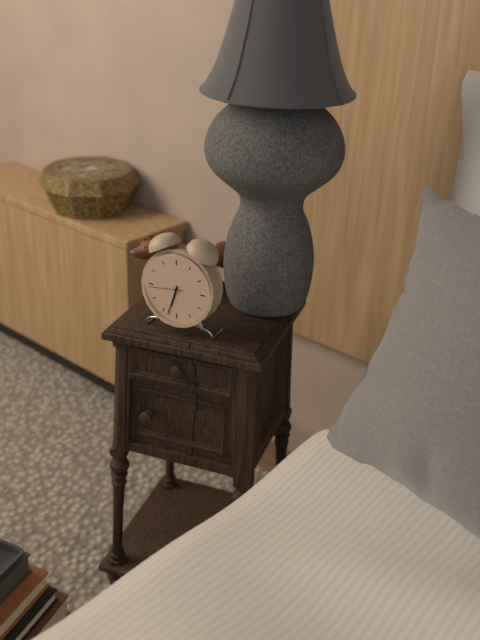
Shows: 6:33
